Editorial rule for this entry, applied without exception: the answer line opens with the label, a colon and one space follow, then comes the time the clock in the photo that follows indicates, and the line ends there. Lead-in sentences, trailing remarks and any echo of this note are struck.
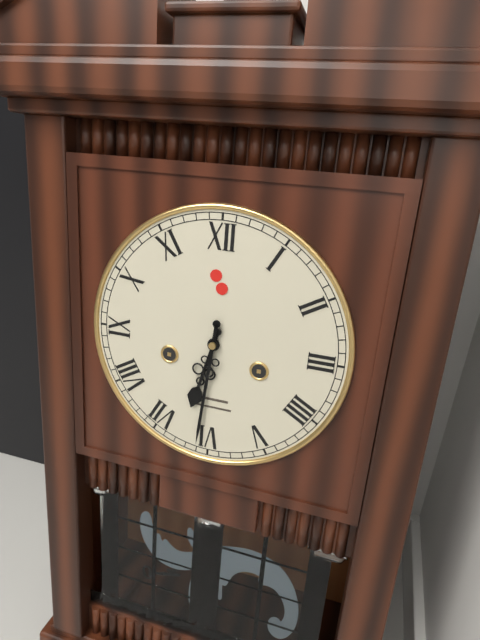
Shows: 6:31
